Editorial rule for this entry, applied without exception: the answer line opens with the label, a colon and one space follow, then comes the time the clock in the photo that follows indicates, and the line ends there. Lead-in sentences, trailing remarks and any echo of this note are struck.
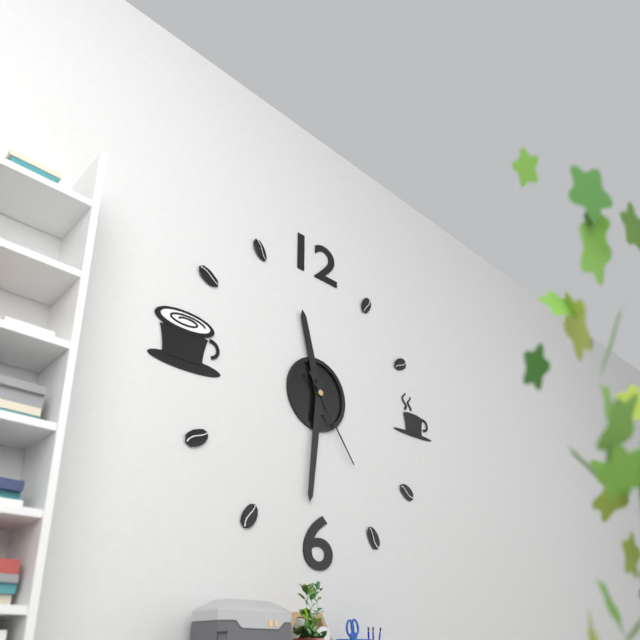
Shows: 11:31:24
